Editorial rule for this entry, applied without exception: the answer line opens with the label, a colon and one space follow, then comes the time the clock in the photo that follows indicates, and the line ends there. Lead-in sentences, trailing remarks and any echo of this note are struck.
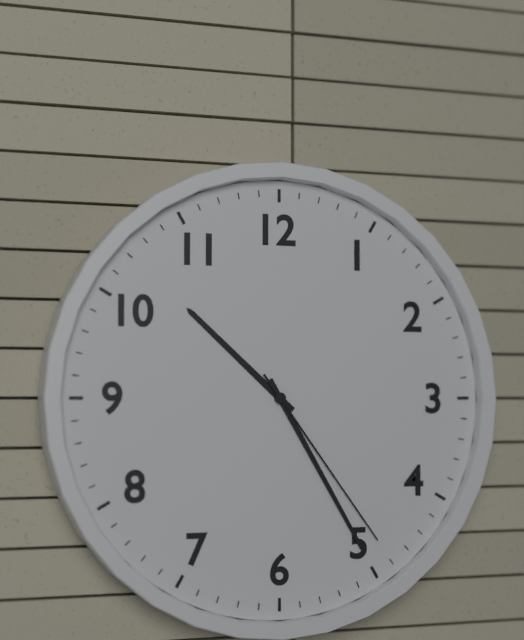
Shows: 10:25:24
